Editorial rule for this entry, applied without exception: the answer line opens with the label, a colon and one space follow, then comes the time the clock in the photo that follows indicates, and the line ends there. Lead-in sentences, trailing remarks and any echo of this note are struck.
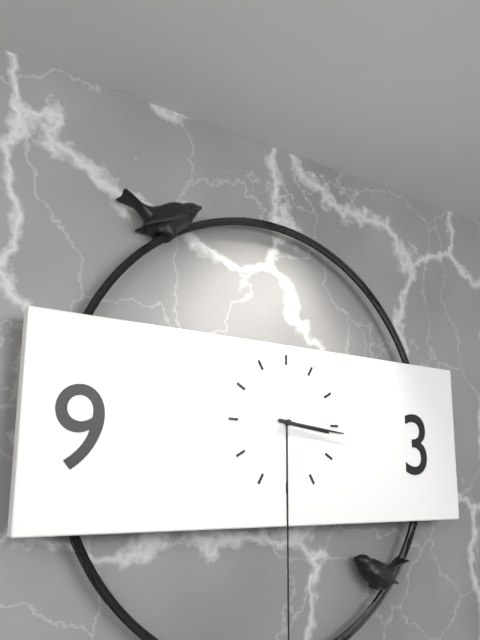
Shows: 3:16
